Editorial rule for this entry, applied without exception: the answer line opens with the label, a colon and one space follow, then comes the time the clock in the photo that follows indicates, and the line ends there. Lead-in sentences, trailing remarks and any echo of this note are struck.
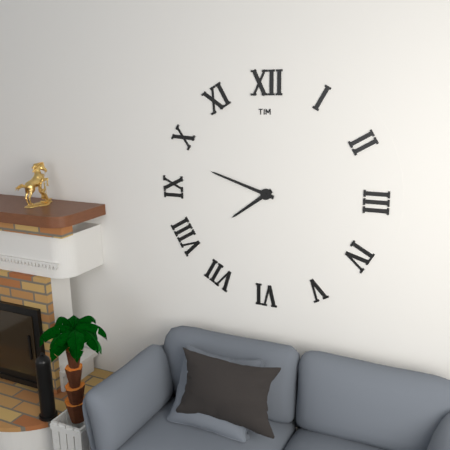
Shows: 7:48
